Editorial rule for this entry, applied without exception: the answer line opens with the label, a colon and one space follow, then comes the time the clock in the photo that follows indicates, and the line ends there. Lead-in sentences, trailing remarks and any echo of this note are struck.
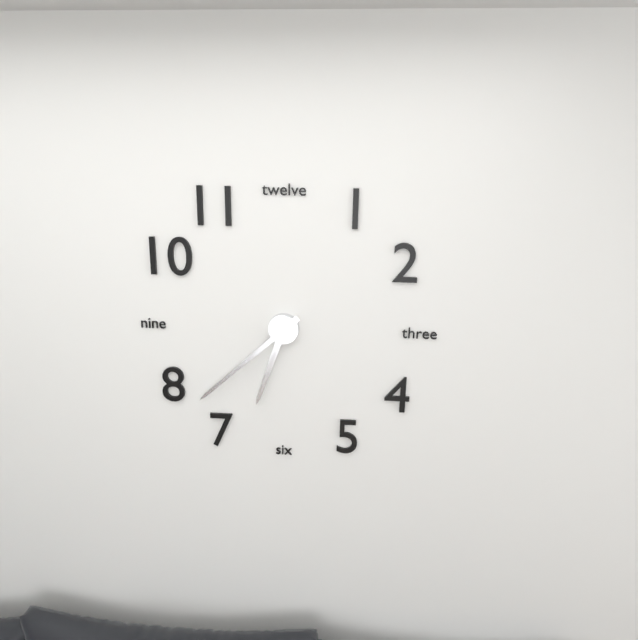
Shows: 6:38
